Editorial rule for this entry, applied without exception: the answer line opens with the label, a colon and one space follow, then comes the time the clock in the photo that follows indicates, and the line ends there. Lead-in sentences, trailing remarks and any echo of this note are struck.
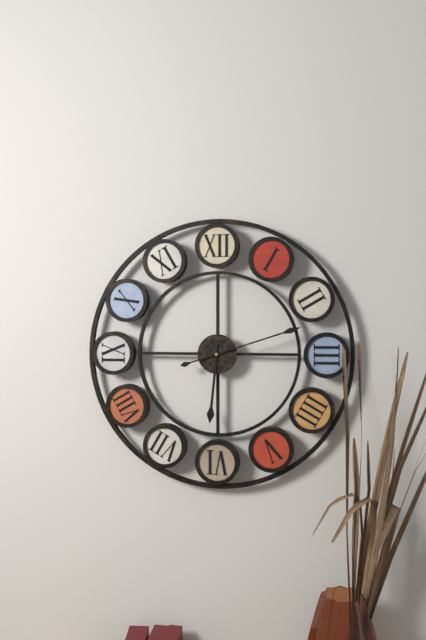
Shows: 6:12
